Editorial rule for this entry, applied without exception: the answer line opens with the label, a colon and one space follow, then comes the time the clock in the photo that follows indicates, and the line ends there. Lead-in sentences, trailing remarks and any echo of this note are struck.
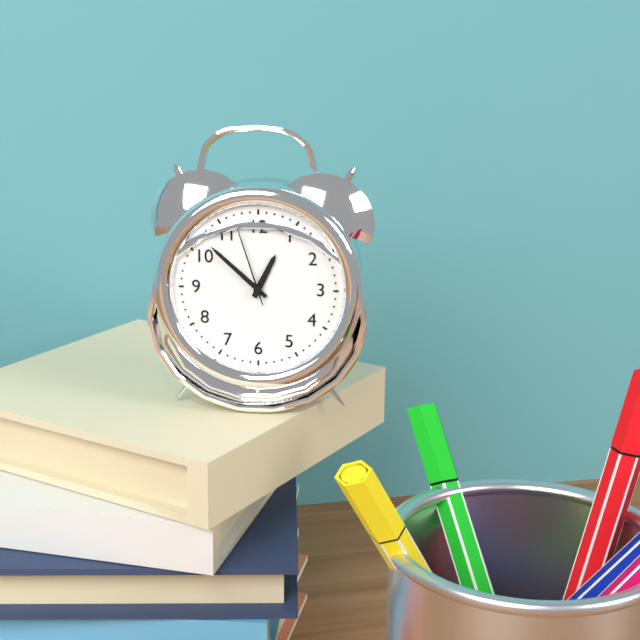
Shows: 12:52:57
